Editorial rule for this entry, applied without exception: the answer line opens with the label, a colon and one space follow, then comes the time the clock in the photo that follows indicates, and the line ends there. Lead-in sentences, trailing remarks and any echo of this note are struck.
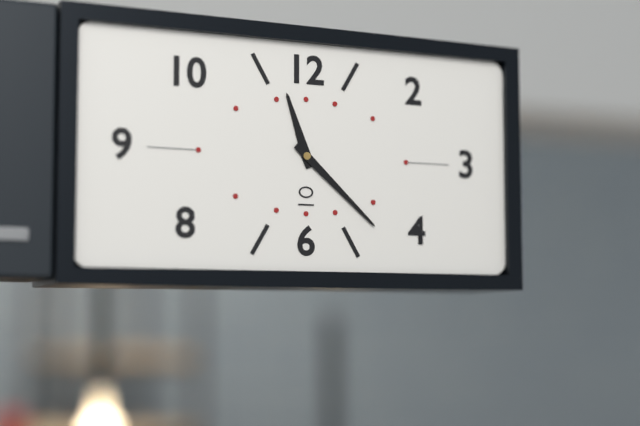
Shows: 11:22
